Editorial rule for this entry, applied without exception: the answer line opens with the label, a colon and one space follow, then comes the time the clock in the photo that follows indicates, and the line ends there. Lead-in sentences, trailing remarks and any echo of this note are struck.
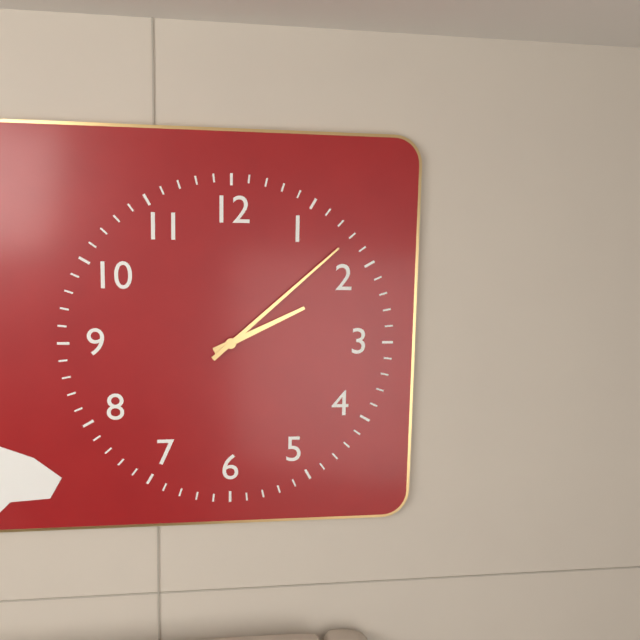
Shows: 2:08
